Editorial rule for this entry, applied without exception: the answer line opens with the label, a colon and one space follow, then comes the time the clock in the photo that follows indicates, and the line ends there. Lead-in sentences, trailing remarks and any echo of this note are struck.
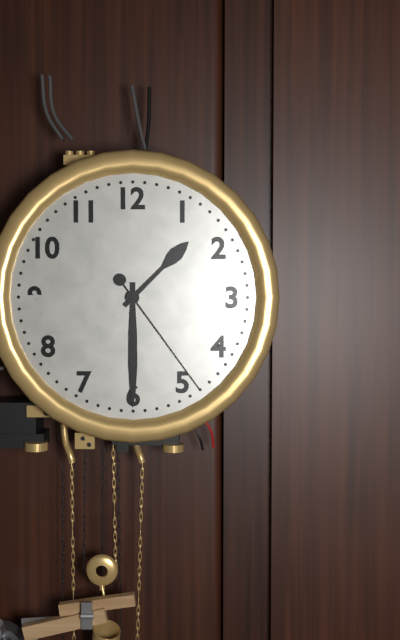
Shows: 1:30:24
